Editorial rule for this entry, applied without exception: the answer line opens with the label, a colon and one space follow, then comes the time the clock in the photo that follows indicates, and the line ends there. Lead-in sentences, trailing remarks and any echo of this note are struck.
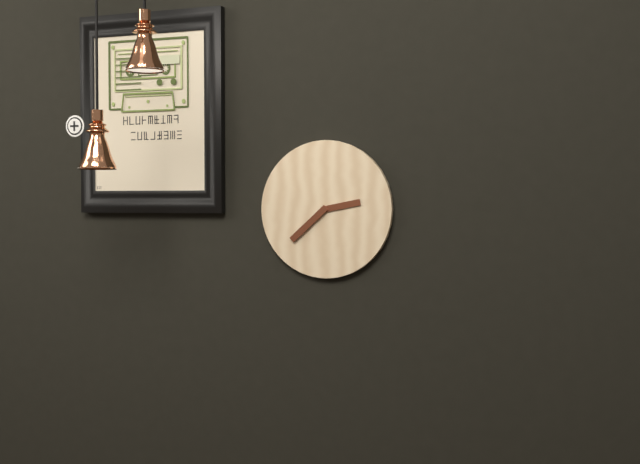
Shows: 2:38
